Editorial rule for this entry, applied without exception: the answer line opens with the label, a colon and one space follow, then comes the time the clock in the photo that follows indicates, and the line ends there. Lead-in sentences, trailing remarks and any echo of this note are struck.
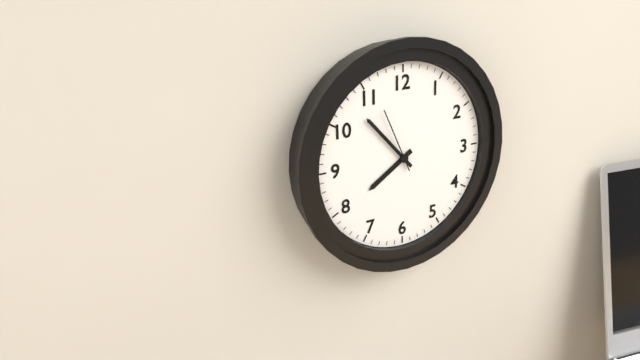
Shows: 7:53:56
